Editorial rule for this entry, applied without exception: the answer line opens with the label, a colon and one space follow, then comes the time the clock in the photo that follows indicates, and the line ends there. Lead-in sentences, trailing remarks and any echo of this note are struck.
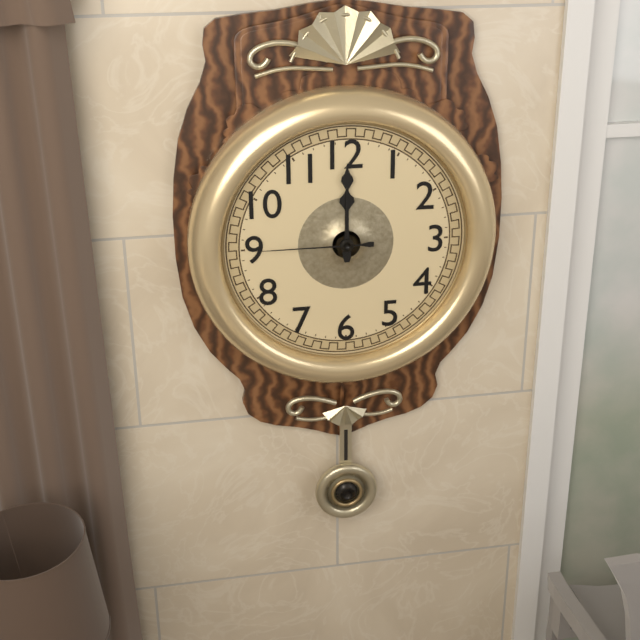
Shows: 12:00:45
